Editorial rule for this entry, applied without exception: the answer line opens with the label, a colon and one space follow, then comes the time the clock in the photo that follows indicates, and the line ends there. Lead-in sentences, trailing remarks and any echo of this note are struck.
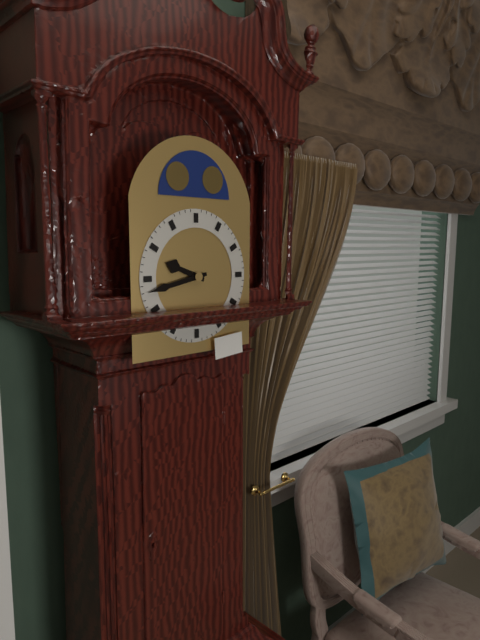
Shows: 9:43
